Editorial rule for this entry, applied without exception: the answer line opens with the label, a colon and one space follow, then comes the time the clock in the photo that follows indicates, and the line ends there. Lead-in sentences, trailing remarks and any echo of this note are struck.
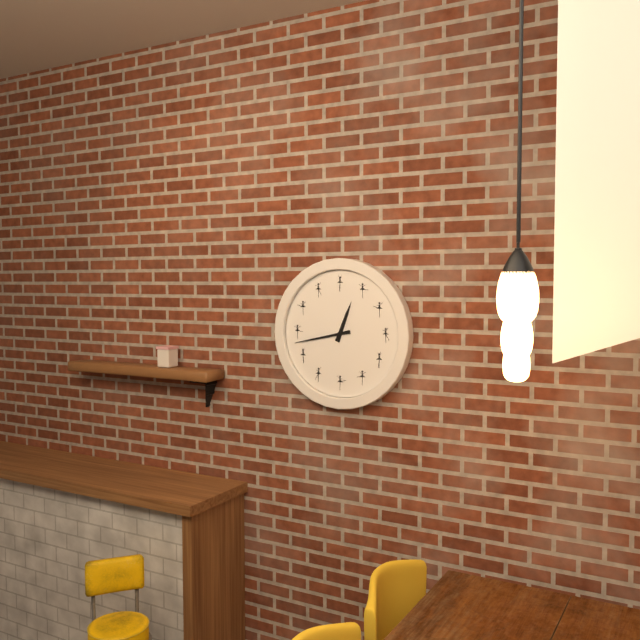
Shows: 12:43
